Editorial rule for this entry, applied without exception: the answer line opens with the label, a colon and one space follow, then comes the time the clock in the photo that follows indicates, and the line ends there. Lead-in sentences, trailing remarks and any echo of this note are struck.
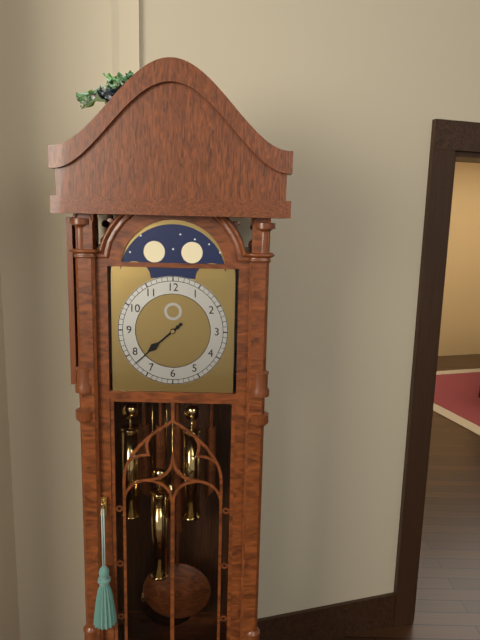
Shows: 7:38
